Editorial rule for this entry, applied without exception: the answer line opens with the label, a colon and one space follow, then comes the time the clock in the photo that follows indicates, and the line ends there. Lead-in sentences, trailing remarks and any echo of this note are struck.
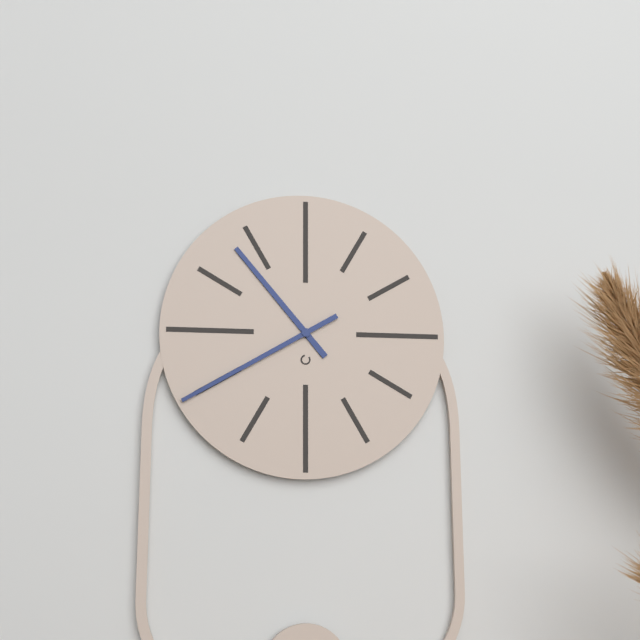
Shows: 10:40
